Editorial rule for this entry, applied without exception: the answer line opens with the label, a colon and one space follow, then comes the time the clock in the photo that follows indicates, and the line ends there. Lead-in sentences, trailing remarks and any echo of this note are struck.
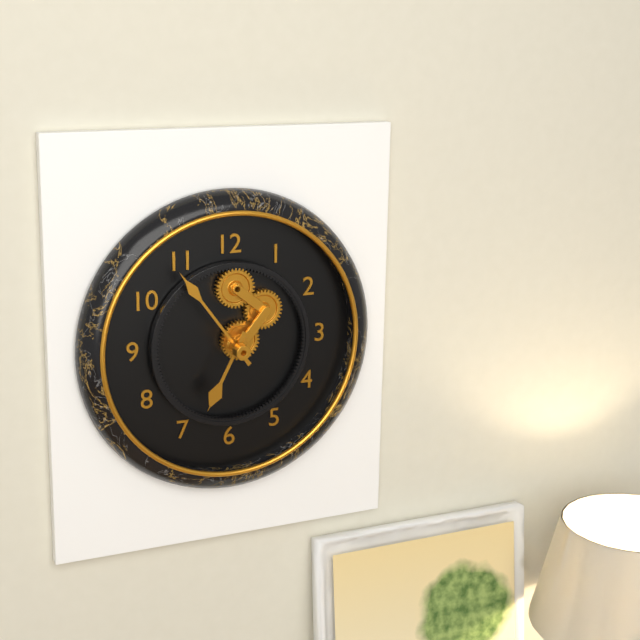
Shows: 6:54
